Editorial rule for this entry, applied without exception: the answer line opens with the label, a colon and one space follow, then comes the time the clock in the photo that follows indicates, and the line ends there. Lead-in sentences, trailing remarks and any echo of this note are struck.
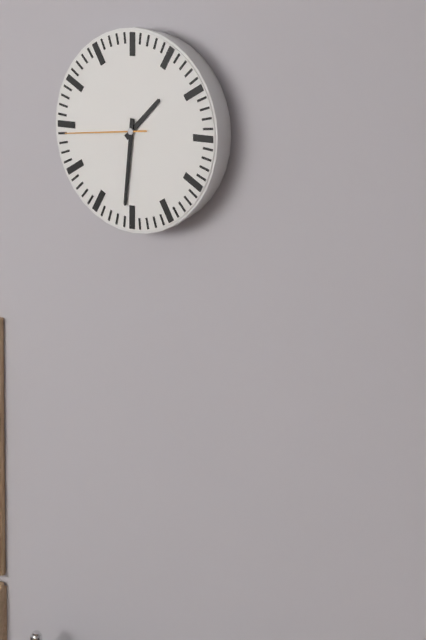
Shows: 1:31:44
